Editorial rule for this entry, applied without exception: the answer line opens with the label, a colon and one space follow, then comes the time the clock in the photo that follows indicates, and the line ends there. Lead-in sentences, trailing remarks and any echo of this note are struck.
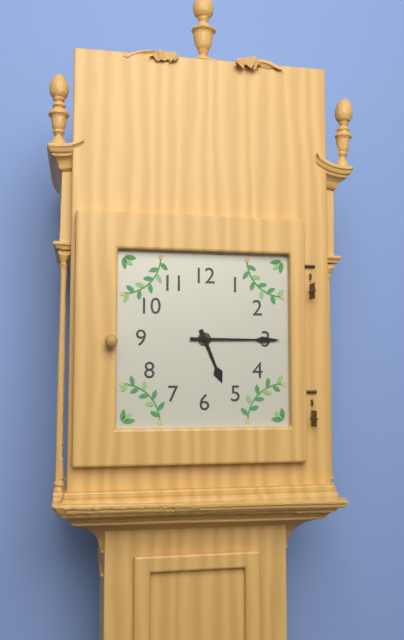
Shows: 5:15
